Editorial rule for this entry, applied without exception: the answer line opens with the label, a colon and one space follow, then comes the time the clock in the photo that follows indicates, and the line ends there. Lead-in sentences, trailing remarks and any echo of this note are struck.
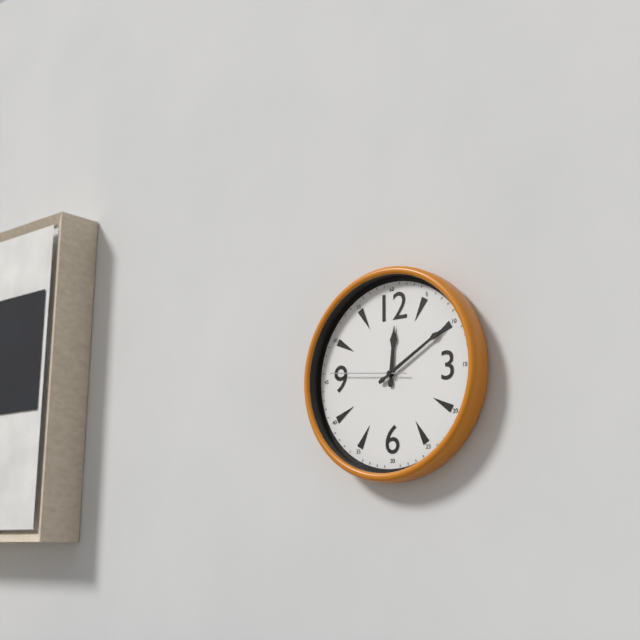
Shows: 12:10:46
